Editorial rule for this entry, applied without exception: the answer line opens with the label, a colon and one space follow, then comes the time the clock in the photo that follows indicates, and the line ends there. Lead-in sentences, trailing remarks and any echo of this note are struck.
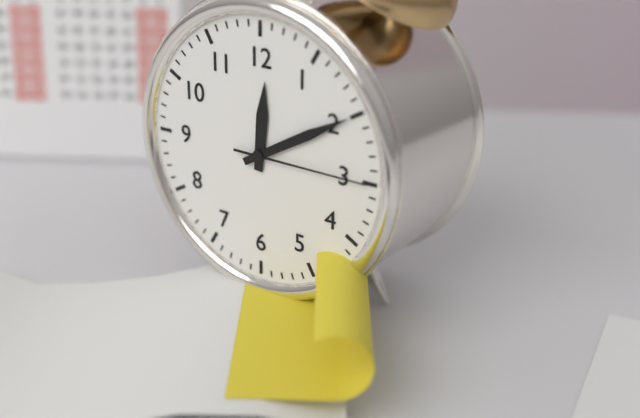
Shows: 12:10:15
